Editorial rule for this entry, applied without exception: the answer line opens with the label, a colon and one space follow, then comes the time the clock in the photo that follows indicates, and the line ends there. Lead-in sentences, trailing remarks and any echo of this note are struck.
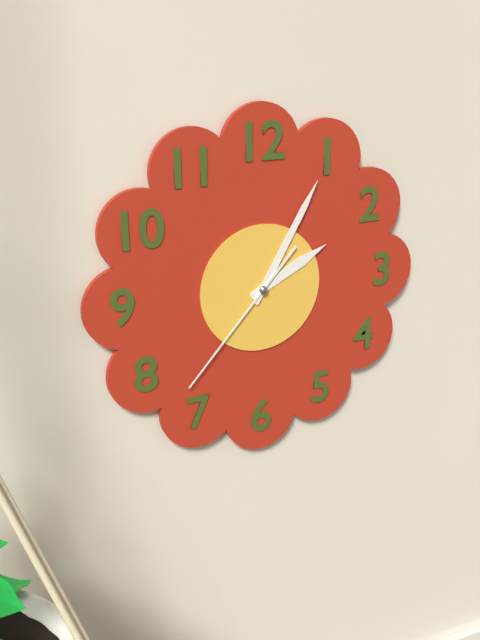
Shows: 2:05:37
